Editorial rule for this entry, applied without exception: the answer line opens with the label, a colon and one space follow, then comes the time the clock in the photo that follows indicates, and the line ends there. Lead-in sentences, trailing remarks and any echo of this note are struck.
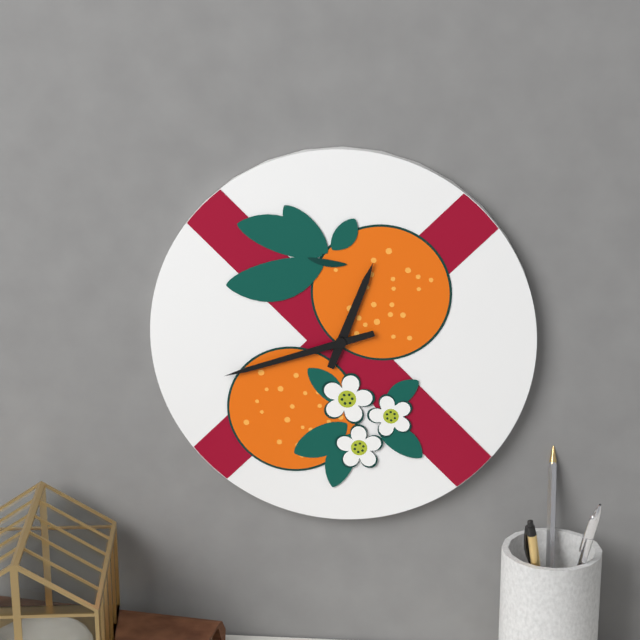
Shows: 12:42
